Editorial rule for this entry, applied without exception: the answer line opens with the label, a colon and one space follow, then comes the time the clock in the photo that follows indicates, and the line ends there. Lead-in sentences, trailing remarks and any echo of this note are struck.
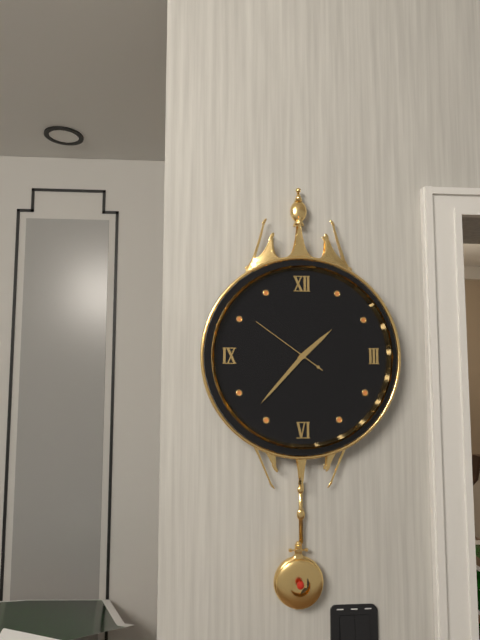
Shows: 1:37:51
